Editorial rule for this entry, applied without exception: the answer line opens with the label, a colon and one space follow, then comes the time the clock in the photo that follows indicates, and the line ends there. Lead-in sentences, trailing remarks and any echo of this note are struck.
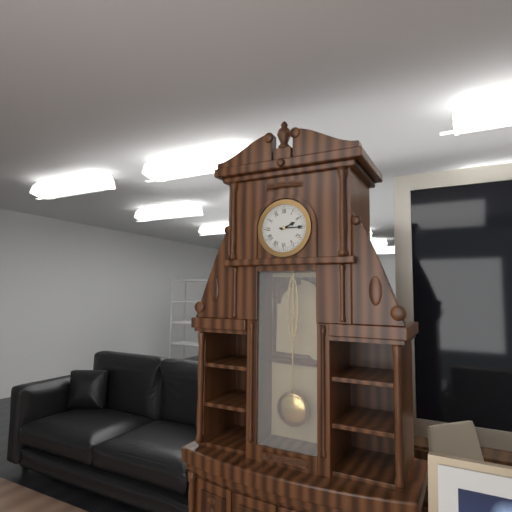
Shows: 2:15
